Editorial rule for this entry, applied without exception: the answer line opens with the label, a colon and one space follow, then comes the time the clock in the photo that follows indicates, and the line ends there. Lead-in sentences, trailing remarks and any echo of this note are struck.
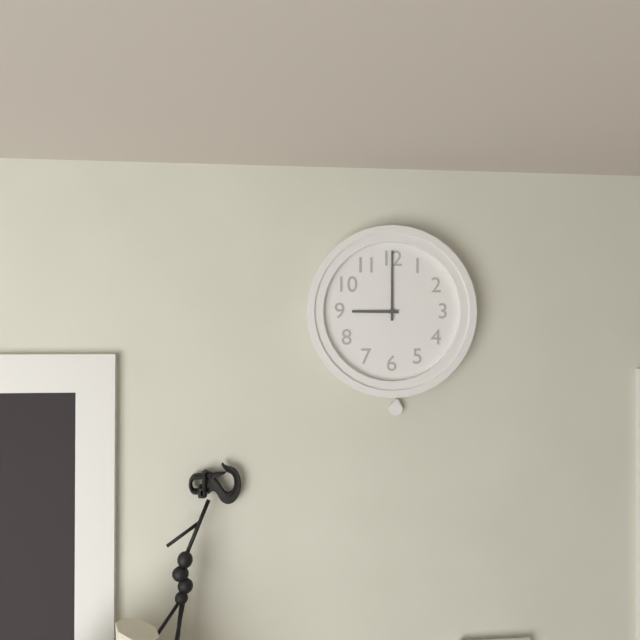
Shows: 9:00
